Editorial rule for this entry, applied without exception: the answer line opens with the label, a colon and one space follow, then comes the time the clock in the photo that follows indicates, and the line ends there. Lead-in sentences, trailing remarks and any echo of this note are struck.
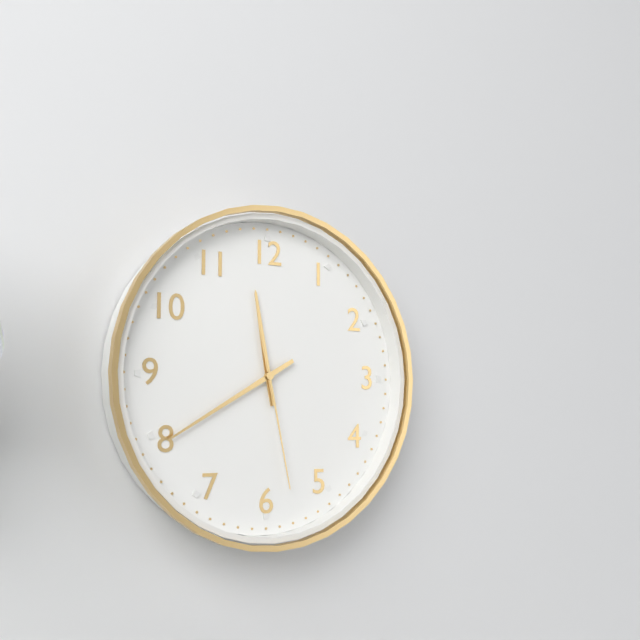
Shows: 11:40:28
